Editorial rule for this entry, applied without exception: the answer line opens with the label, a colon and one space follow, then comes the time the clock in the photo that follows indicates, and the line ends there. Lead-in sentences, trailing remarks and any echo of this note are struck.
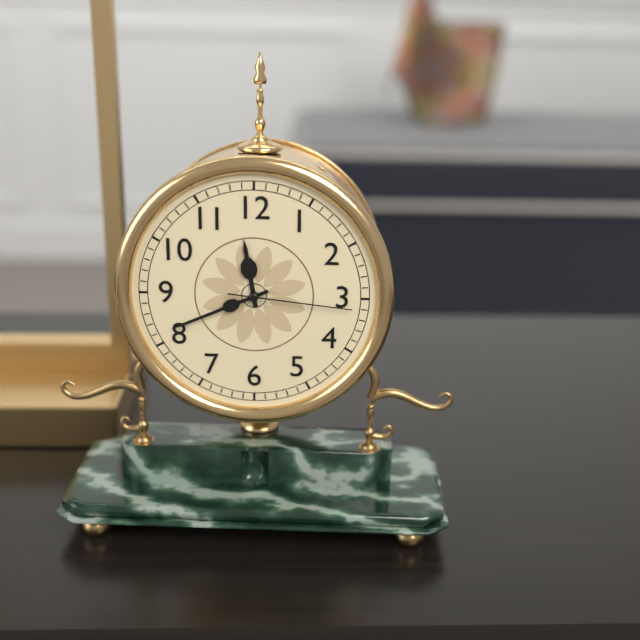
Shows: 11:41:16
